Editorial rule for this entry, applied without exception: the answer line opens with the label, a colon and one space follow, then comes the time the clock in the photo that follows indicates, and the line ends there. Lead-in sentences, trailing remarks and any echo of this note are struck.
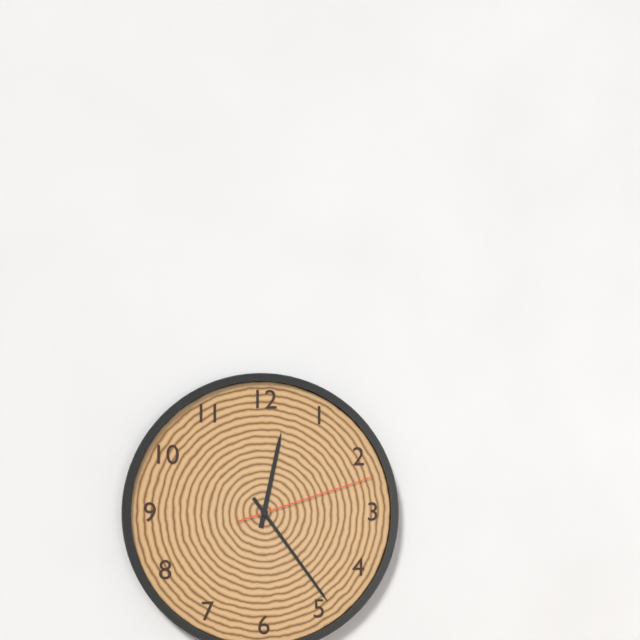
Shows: 12:24:12
